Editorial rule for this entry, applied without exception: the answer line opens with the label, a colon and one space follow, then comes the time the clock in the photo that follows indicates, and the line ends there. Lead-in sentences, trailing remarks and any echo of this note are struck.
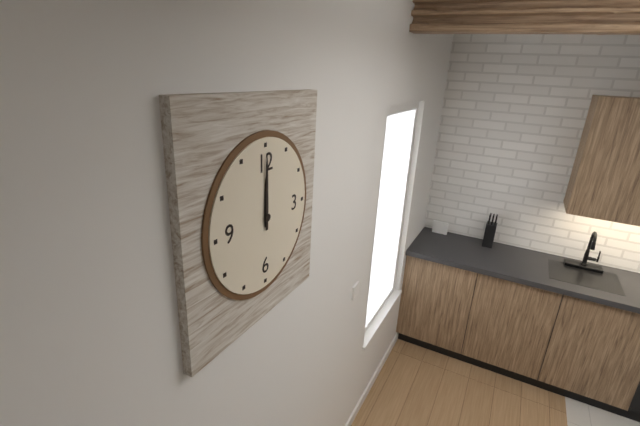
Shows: 12:00
